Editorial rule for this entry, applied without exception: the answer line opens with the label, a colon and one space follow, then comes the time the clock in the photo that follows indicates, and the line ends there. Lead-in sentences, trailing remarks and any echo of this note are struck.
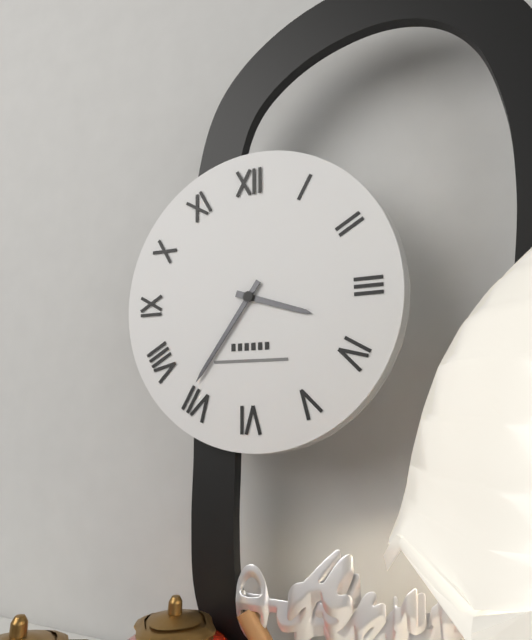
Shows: 3:36
